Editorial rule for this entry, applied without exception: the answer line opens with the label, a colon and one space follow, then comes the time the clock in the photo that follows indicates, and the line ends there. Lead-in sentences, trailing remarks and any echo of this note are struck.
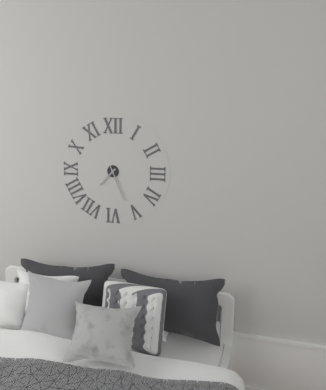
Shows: 7:26
